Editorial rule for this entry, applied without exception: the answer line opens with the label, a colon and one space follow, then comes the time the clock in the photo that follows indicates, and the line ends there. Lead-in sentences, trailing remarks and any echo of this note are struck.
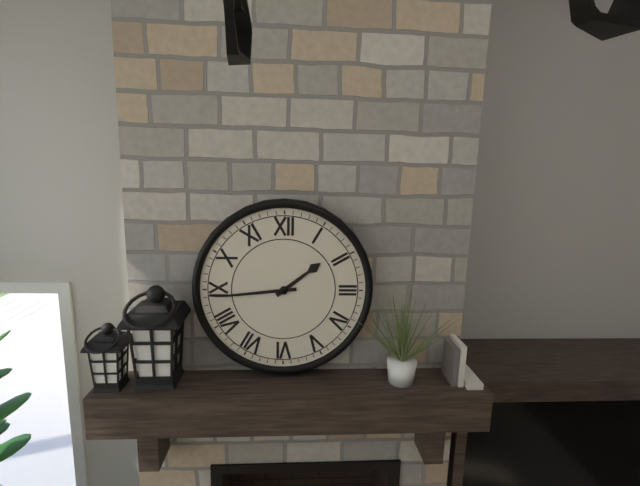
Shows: 1:44
